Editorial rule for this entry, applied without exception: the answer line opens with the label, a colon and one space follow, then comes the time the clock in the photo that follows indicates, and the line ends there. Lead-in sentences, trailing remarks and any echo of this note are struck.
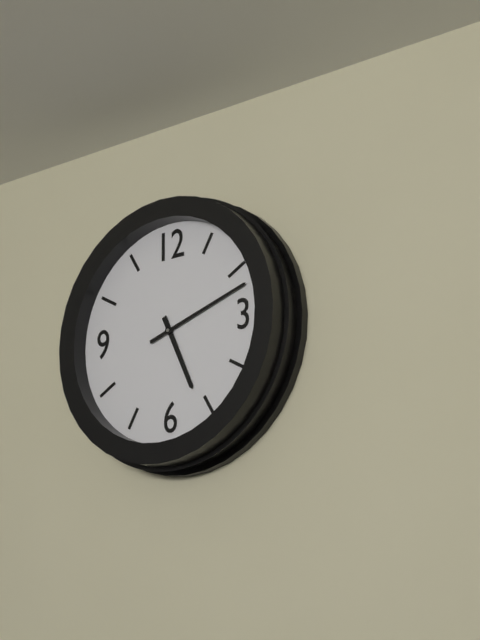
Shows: 5:12
